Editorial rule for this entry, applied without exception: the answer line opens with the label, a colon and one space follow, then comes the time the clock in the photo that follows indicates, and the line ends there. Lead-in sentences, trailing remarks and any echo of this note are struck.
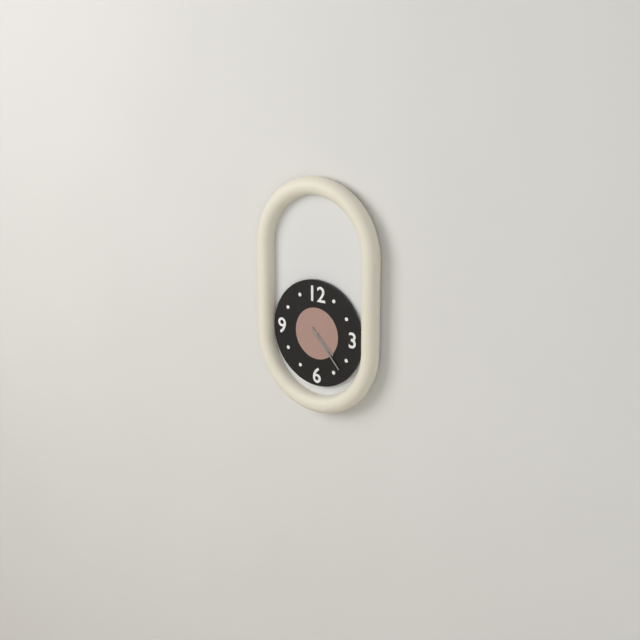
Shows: 4:23
